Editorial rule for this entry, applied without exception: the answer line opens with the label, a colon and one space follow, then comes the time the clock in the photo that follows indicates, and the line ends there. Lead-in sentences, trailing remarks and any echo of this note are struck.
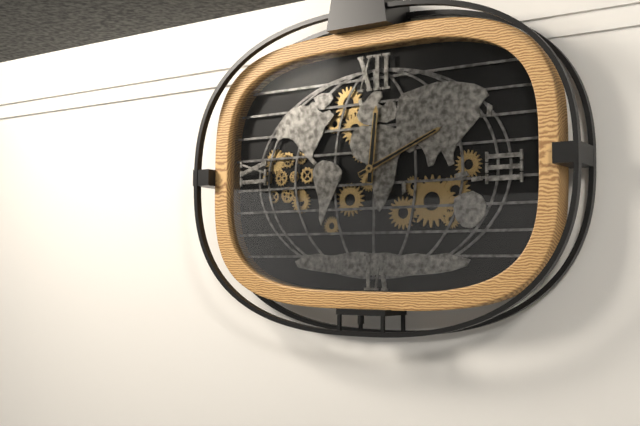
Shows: 12:11
